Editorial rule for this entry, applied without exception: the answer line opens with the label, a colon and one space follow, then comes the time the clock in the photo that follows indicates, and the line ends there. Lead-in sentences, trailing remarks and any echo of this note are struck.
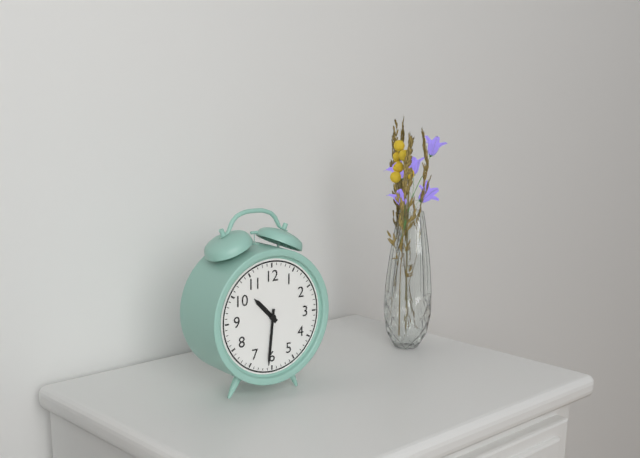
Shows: 10:31
